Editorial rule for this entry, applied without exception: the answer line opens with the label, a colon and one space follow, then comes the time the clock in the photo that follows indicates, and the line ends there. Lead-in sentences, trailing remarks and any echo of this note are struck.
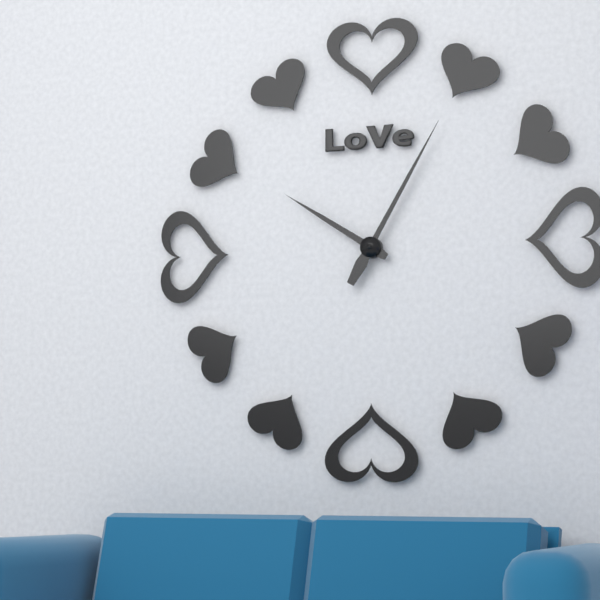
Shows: 10:05
